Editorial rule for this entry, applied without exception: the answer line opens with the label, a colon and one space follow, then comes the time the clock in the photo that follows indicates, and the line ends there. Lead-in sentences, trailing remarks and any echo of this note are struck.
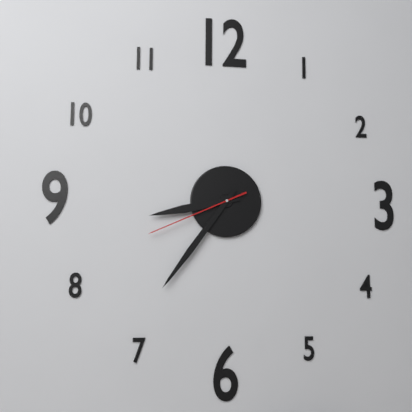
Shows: 8:36:41
